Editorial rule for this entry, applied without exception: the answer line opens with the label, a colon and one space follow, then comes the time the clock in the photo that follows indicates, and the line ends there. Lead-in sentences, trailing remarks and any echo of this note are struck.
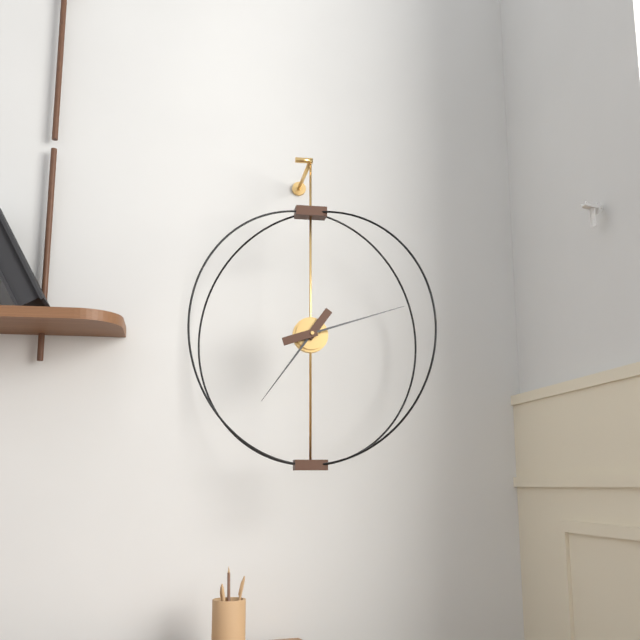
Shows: 7:12
